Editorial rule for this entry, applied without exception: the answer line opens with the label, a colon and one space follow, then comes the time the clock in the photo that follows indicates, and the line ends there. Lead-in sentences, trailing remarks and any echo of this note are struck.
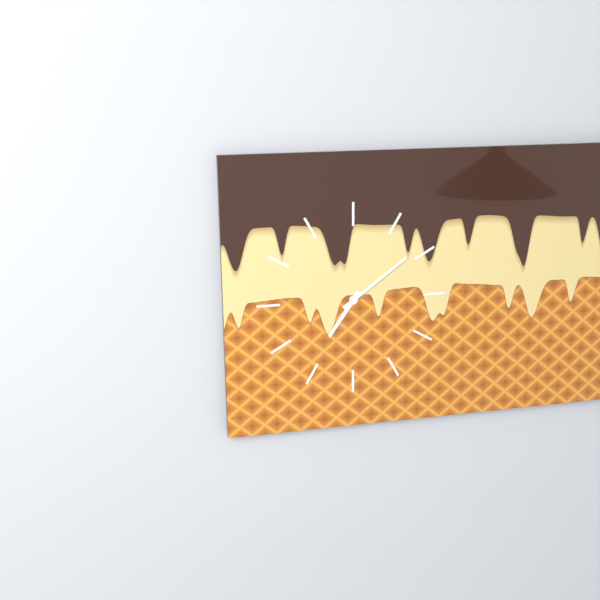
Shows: 7:09
